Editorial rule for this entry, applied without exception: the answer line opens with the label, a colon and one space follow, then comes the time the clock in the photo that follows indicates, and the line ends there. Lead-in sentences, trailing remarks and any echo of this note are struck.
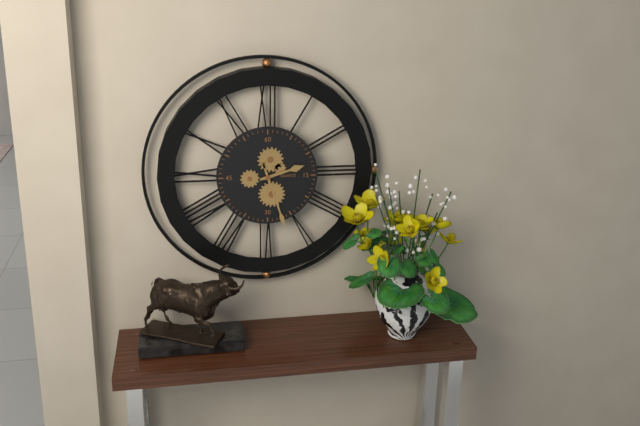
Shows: 2:27
